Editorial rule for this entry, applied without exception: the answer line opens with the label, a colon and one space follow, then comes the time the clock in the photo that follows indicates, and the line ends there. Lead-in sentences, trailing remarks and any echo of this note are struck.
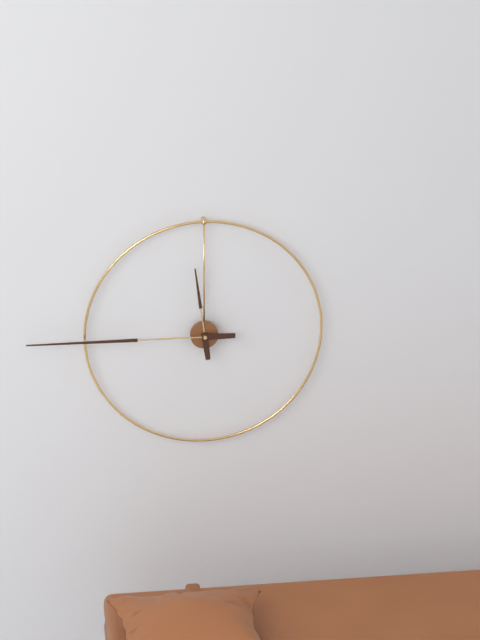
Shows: 11:45
